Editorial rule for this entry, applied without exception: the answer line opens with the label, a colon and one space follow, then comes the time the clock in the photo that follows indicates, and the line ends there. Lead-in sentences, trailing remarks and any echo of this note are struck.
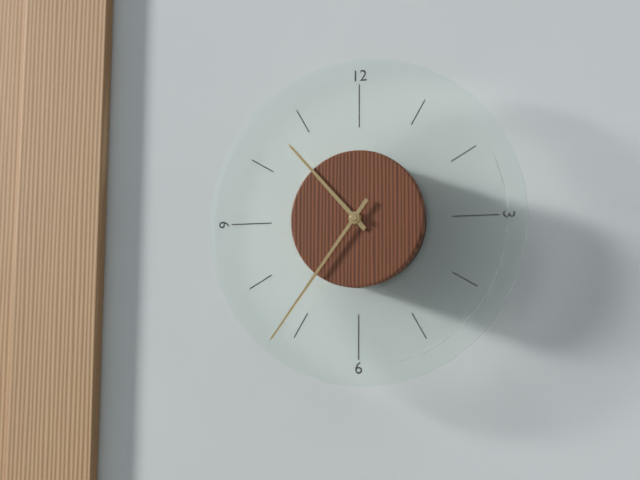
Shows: 10:36
